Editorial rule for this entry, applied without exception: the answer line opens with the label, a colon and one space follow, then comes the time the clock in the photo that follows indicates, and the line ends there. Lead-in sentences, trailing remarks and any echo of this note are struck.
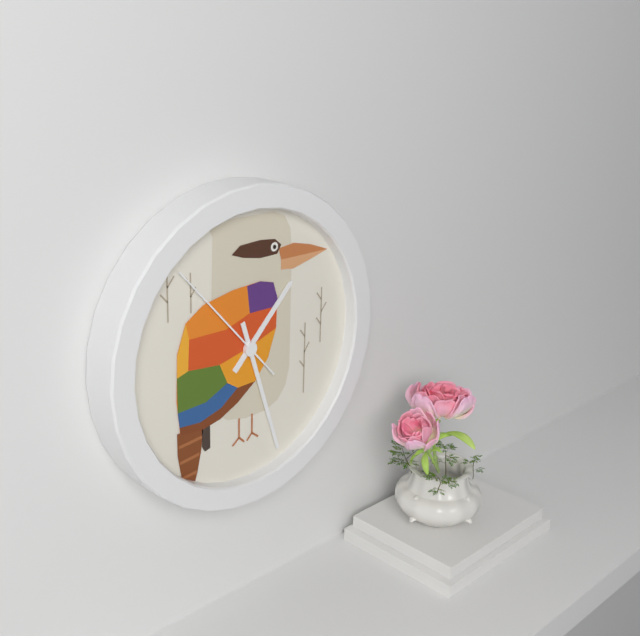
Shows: 1:27:53
